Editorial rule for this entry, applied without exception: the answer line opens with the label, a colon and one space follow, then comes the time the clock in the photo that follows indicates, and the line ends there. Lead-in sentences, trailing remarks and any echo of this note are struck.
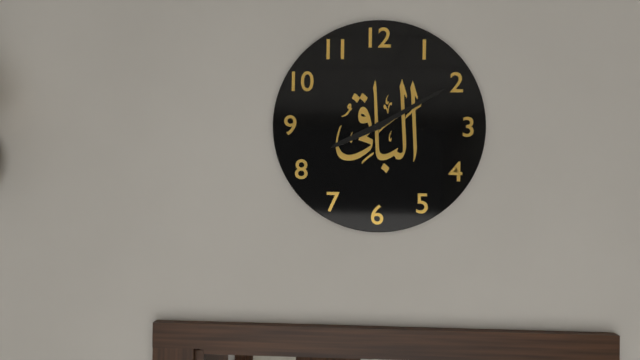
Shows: 8:10
